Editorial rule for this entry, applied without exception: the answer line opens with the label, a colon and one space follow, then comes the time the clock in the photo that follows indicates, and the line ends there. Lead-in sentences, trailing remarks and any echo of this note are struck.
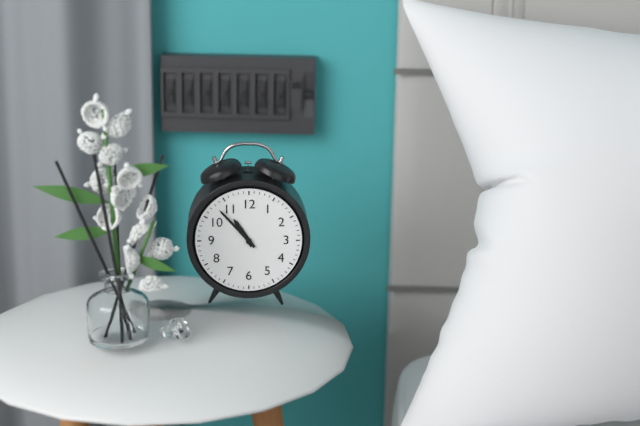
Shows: 10:53
